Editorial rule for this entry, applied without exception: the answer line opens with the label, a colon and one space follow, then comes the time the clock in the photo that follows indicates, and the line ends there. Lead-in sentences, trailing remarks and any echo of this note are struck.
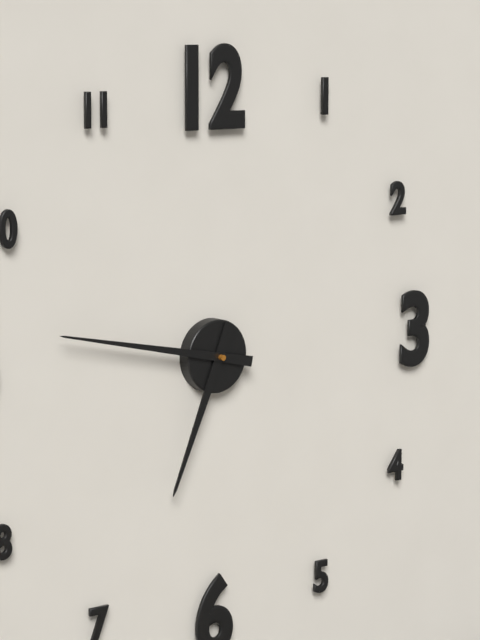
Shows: 6:47
